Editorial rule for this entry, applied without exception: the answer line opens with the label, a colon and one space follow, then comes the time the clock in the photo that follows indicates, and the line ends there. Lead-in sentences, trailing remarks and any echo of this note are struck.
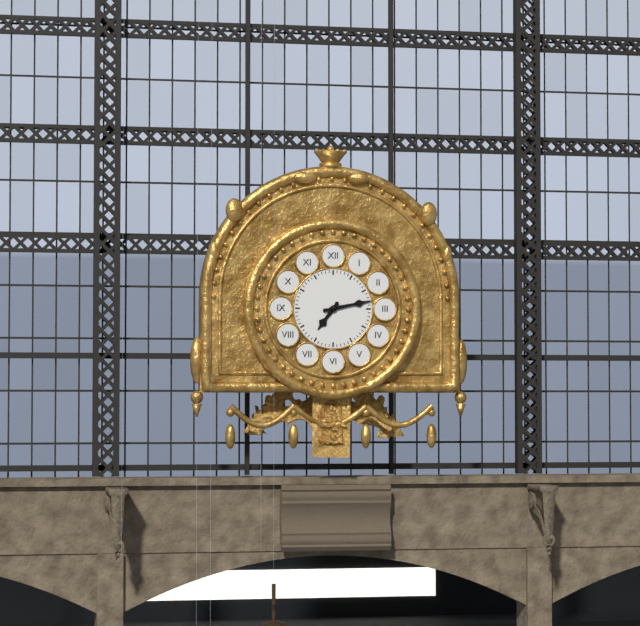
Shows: 7:13
